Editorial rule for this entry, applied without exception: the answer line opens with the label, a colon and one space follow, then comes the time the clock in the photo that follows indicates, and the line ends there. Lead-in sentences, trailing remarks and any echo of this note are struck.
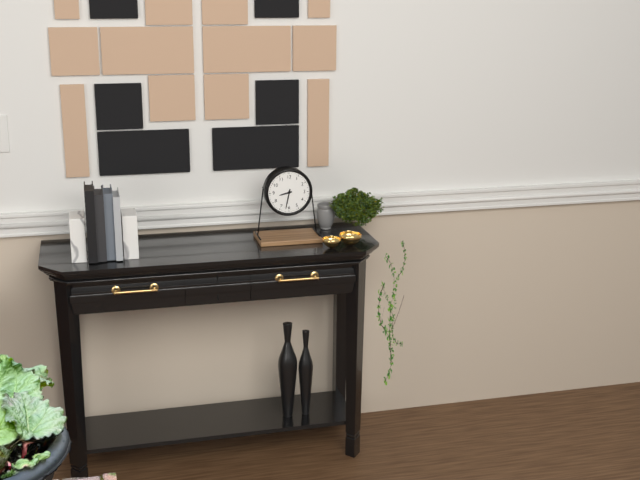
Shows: 8:32
